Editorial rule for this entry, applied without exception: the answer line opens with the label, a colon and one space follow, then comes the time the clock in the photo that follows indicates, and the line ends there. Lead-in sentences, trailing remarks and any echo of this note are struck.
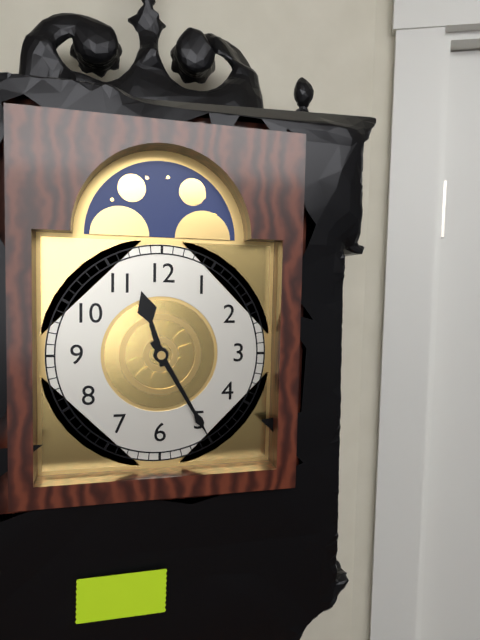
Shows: 11:25
